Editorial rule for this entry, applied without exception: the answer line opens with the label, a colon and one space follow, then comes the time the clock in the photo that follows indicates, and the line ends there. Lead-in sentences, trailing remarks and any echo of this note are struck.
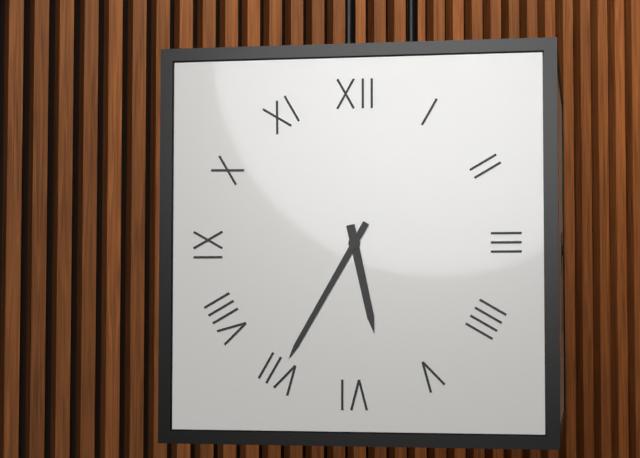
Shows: 5:35
